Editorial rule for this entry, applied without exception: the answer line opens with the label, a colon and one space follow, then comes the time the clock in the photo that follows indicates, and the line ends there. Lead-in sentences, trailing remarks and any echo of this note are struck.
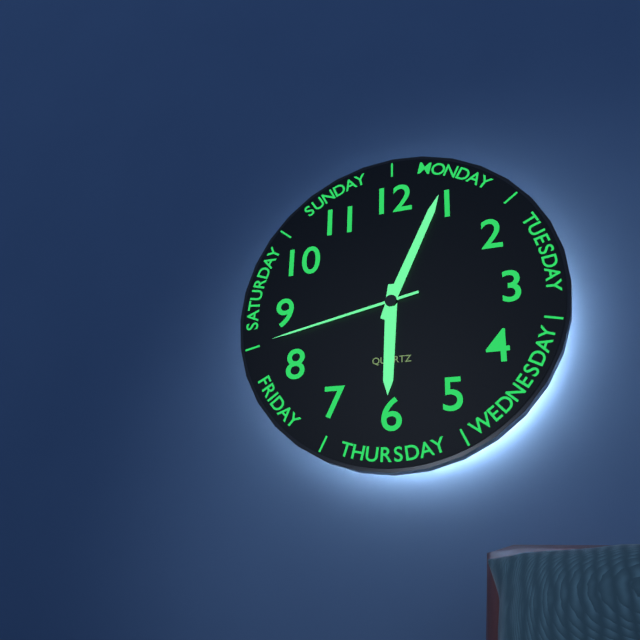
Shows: 6:04:43
